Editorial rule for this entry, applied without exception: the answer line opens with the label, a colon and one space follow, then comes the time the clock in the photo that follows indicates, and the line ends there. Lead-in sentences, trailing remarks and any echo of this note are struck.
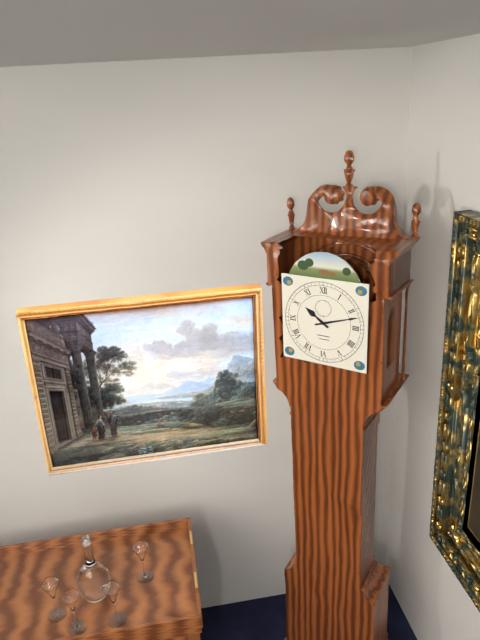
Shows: 10:12
